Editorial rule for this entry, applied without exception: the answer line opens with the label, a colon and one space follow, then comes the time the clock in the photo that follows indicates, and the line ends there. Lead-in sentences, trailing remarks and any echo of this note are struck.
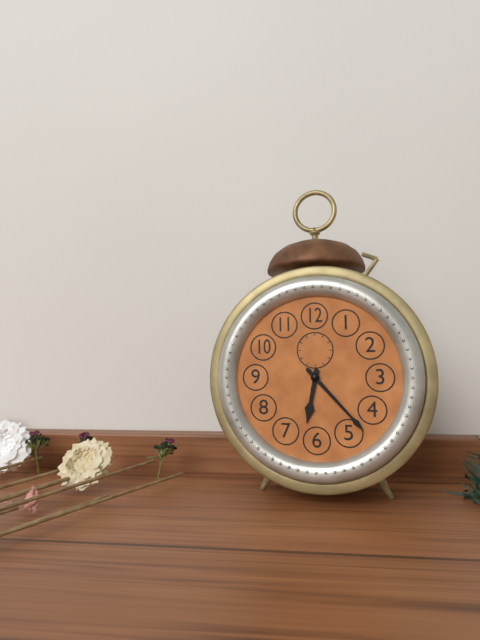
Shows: 6:23
